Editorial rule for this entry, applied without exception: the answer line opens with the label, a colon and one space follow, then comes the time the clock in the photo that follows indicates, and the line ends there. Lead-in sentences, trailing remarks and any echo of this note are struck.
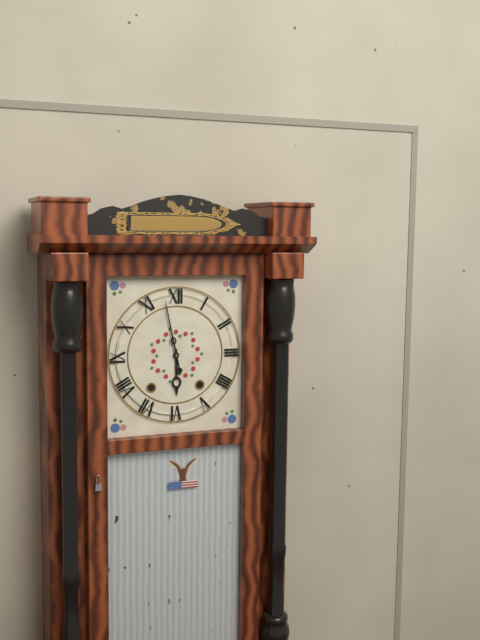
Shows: 5:58
